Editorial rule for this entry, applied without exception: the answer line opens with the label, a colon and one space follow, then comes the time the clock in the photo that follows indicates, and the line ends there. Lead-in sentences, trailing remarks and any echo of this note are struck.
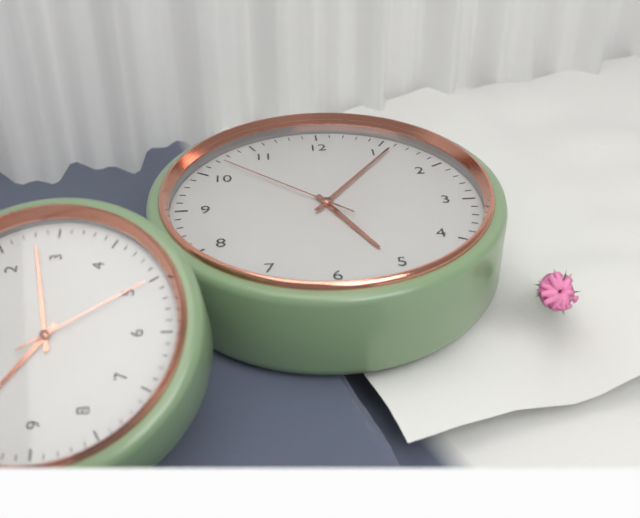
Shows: 5:06:52
